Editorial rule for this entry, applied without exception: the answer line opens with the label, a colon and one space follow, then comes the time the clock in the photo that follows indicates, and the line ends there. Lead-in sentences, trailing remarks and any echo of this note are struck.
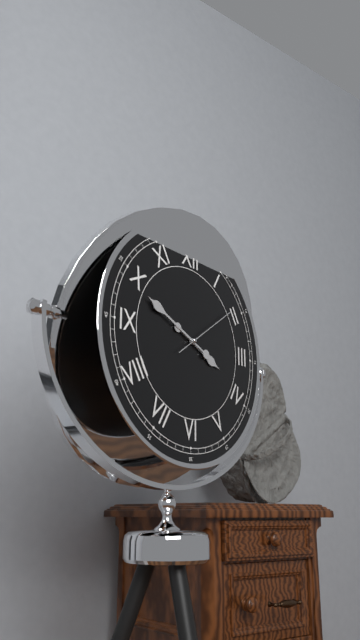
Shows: 3:49:09
